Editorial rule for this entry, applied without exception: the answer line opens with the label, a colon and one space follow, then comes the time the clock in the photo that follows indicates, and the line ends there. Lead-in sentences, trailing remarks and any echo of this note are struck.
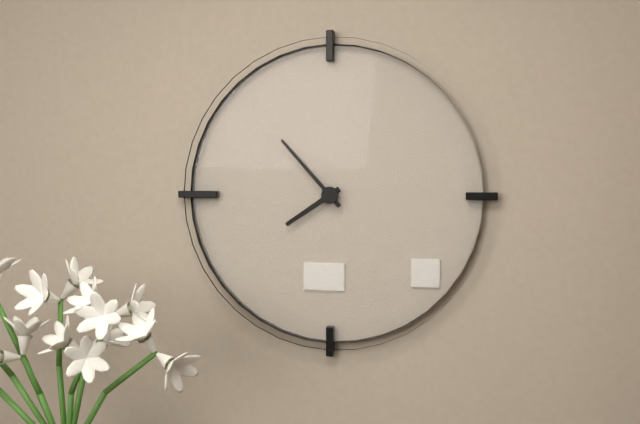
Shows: 7:53
